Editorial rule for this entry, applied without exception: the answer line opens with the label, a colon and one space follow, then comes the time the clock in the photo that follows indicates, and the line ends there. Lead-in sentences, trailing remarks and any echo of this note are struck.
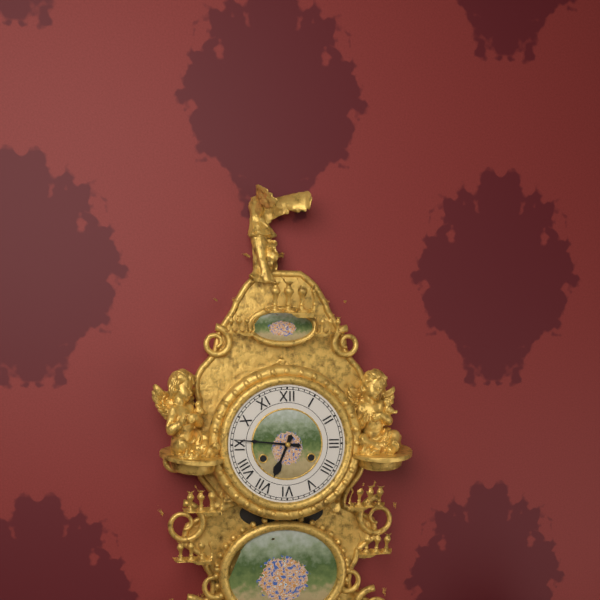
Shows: 6:46
